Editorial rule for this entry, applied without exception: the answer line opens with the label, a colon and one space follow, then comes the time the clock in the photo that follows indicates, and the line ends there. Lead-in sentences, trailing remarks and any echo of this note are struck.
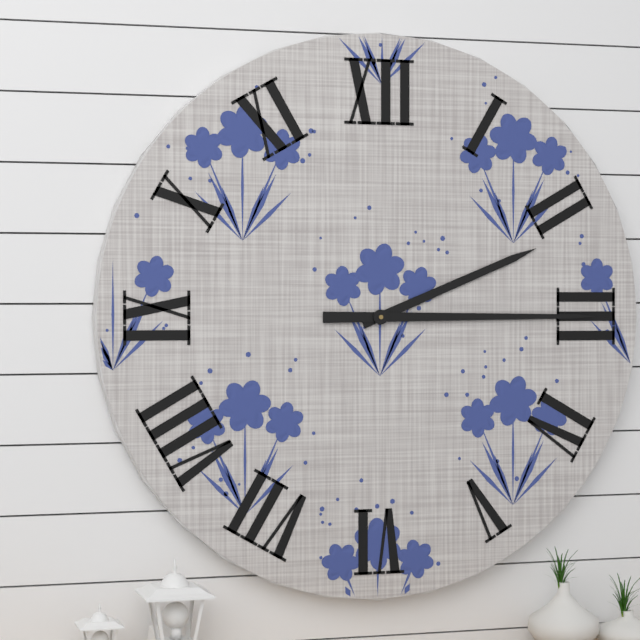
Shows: 2:15
